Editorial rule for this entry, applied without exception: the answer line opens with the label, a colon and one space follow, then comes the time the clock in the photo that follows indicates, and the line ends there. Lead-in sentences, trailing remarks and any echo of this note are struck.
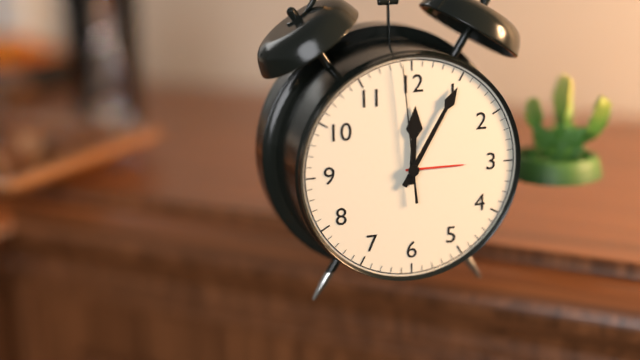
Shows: 12:05:59
